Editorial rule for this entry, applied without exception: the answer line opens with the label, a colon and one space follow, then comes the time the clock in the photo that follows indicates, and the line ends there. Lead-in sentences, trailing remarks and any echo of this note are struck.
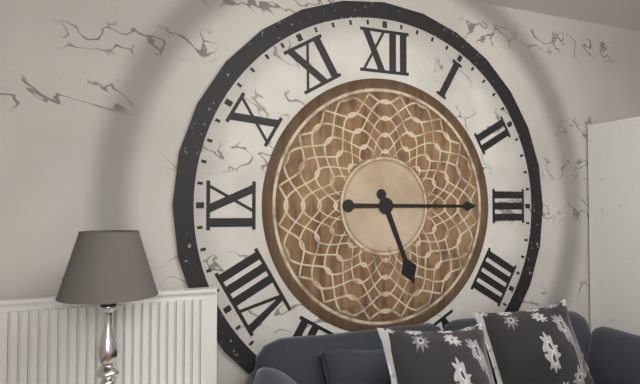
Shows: 5:15
